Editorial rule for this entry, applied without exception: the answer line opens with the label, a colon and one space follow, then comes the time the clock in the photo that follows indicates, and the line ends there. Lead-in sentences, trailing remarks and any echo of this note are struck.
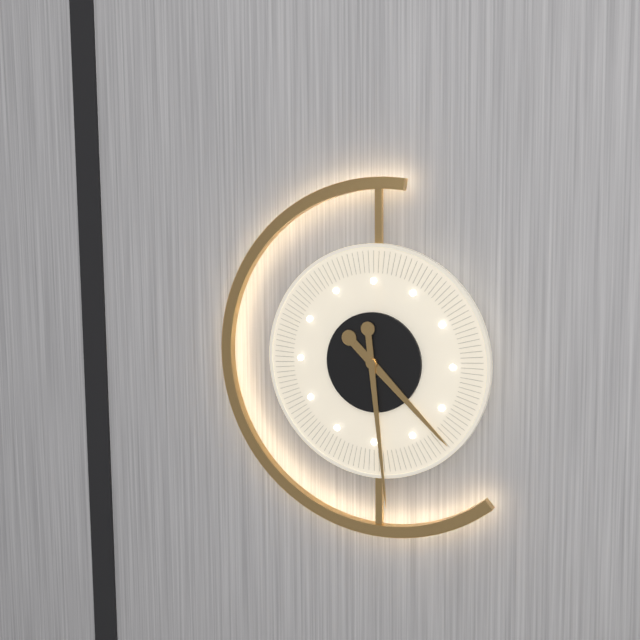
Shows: 4:29
